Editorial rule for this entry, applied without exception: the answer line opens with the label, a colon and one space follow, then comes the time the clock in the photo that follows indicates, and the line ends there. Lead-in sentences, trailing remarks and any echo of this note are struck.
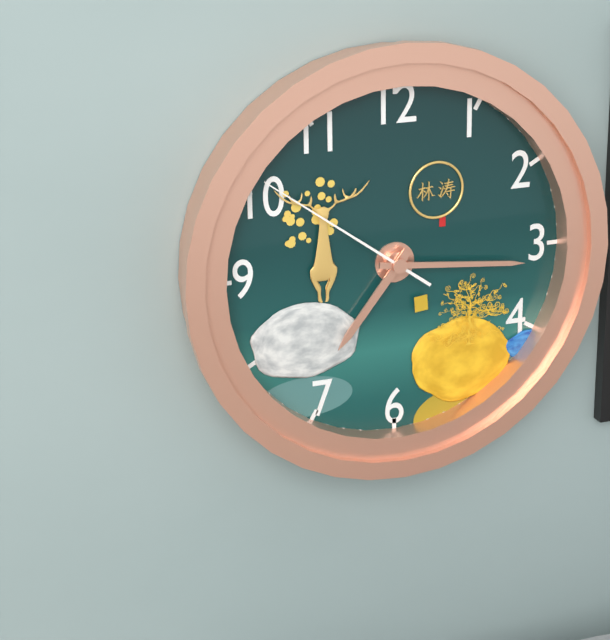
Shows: 7:16:51
